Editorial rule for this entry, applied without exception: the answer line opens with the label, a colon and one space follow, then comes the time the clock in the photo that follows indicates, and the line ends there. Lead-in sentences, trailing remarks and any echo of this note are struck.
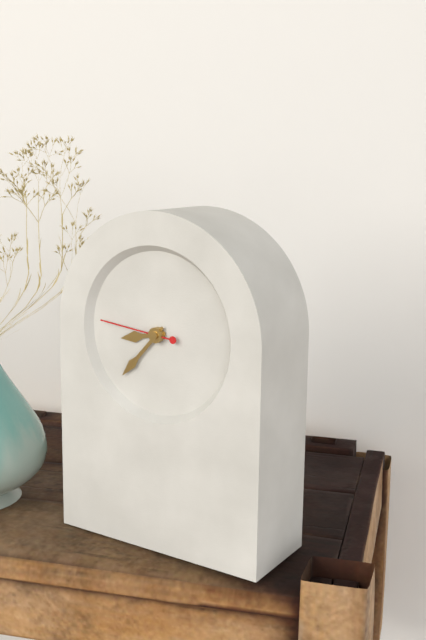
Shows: 8:37:46
